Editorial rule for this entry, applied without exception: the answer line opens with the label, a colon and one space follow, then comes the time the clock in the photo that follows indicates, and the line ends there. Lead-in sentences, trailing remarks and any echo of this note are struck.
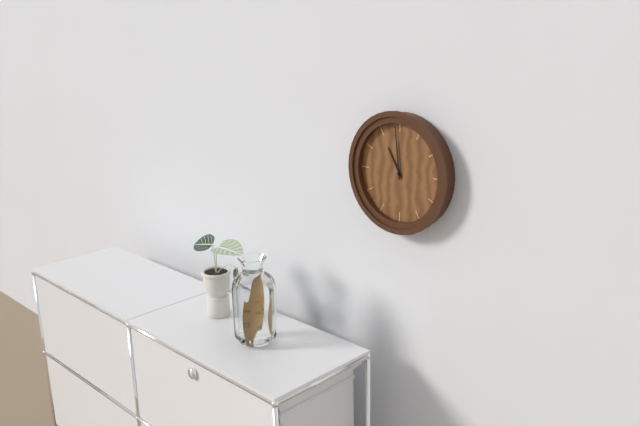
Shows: 10:59
